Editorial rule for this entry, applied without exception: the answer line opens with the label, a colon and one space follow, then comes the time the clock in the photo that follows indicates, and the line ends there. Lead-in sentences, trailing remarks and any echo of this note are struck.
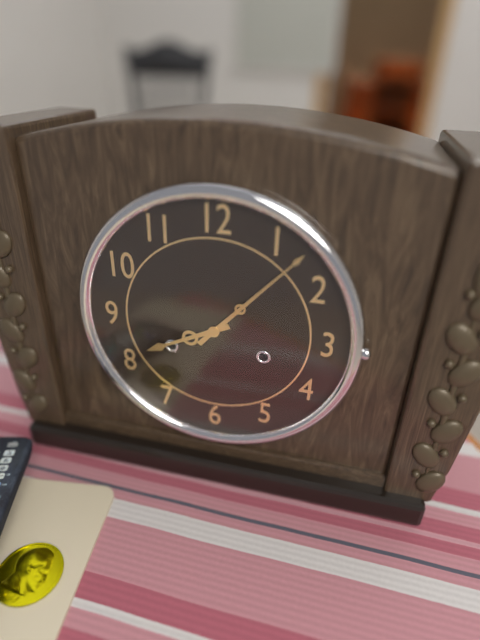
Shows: 8:07
